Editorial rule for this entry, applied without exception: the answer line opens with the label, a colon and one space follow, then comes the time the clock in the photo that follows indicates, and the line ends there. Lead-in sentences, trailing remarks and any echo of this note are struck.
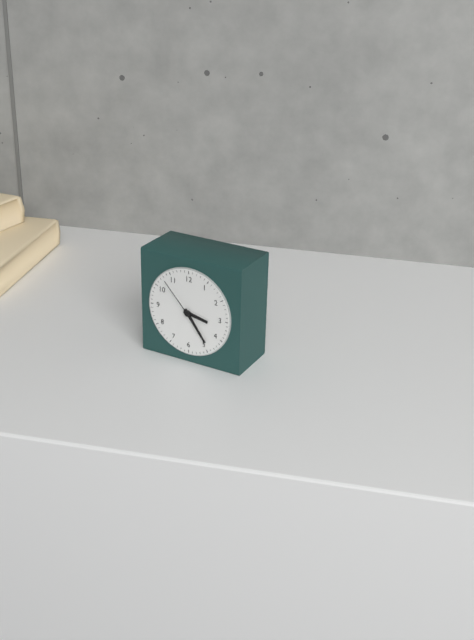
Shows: 3:24
